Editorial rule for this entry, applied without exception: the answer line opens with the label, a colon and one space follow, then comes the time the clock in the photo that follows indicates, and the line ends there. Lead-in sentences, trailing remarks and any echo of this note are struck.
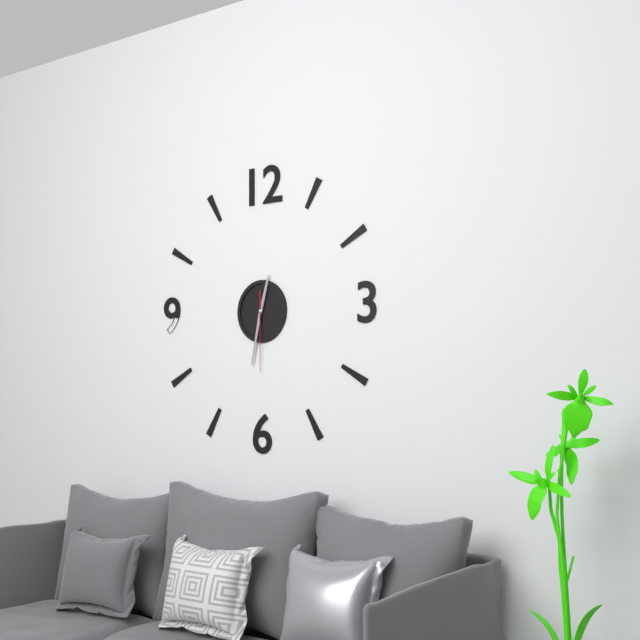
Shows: 12:32:30
